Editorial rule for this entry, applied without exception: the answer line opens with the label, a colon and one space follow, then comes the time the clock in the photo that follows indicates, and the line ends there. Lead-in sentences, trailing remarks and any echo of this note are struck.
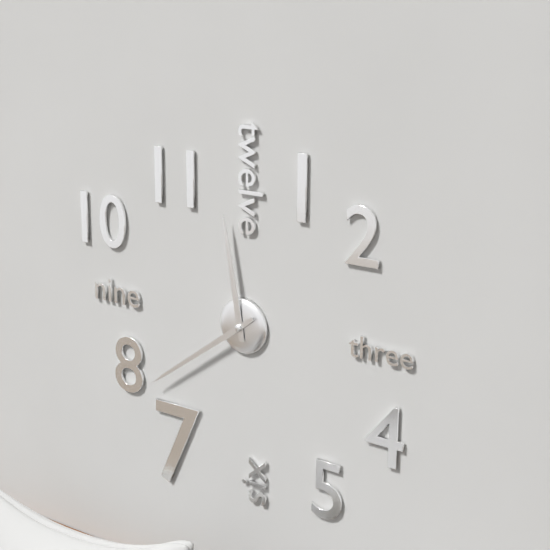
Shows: 11:39
